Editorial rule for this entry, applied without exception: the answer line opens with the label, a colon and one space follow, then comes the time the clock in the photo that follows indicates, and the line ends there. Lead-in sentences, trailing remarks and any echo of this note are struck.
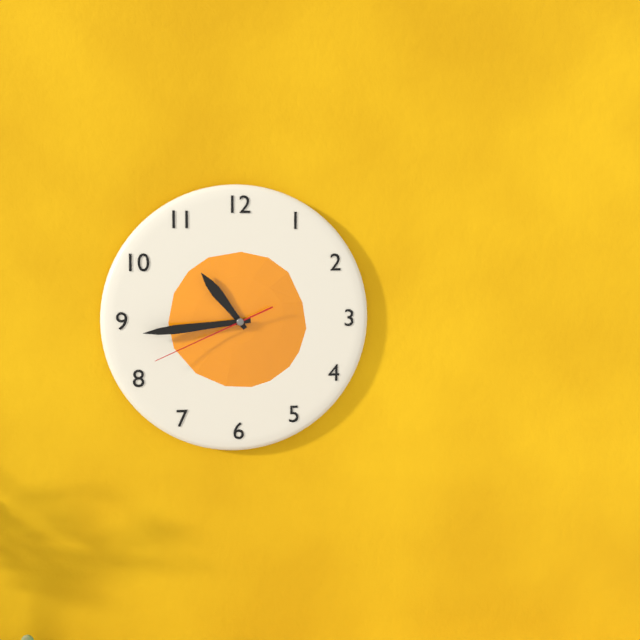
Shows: 10:44:41
